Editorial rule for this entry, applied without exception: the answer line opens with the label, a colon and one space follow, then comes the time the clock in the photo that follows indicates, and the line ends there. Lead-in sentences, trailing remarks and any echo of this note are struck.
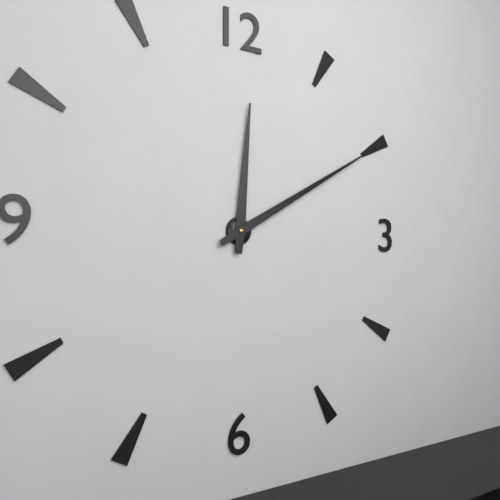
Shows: 12:10
